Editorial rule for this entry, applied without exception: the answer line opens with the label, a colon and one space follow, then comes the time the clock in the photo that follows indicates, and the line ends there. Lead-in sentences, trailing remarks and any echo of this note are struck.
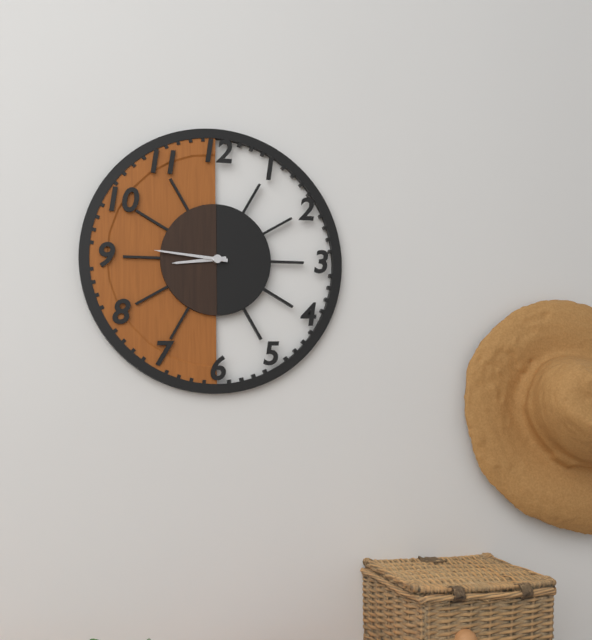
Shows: 8:46
